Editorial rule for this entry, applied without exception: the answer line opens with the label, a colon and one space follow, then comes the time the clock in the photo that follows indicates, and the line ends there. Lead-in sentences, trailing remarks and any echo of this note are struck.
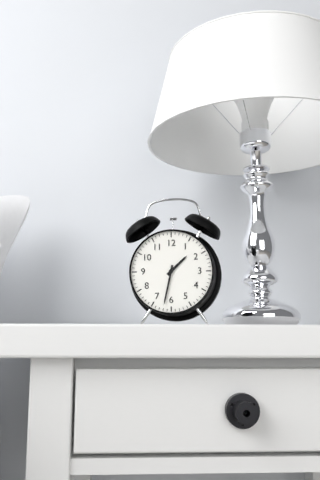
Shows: 1:32
